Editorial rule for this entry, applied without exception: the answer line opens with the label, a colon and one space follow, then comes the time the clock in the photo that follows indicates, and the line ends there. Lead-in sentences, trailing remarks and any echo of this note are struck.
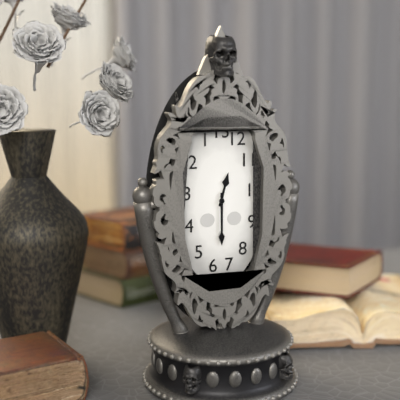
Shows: 12:30
